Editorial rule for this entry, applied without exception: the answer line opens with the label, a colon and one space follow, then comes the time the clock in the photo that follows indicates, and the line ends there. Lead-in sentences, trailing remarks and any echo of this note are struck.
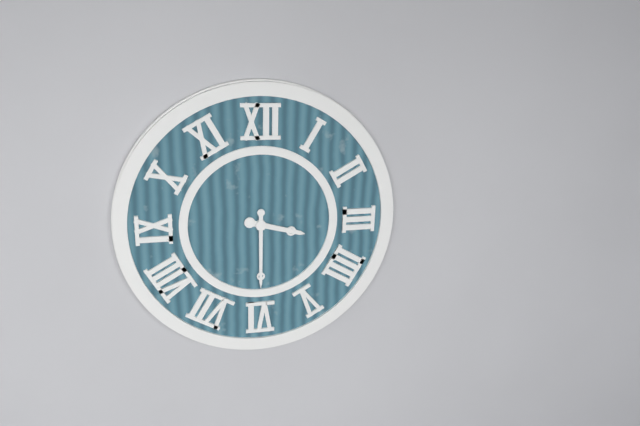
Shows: 3:30
